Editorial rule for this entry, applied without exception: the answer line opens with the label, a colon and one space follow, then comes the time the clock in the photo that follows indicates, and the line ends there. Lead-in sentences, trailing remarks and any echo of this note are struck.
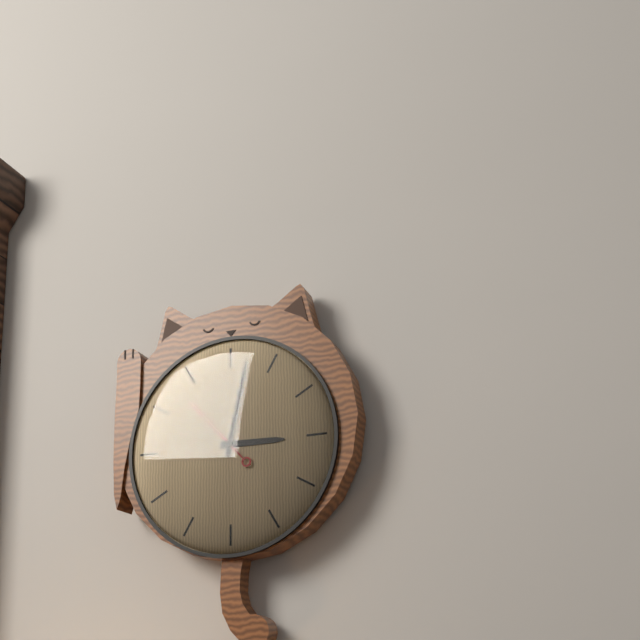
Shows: 3:02:53
